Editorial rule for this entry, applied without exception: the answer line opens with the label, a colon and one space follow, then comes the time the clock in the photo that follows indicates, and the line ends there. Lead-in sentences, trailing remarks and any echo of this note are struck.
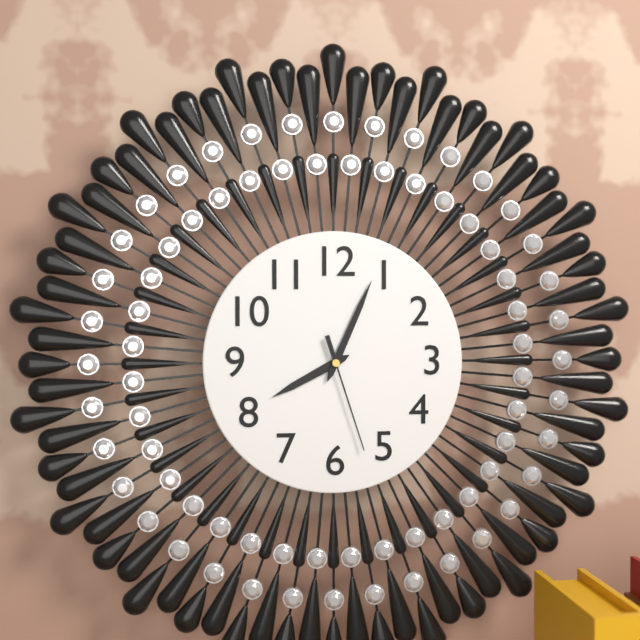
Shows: 8:04:27
